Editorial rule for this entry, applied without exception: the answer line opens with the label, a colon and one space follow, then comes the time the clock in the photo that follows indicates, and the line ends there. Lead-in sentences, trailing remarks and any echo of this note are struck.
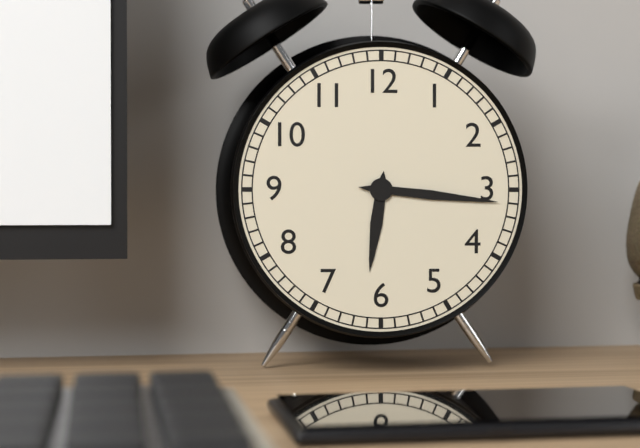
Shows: 6:16
